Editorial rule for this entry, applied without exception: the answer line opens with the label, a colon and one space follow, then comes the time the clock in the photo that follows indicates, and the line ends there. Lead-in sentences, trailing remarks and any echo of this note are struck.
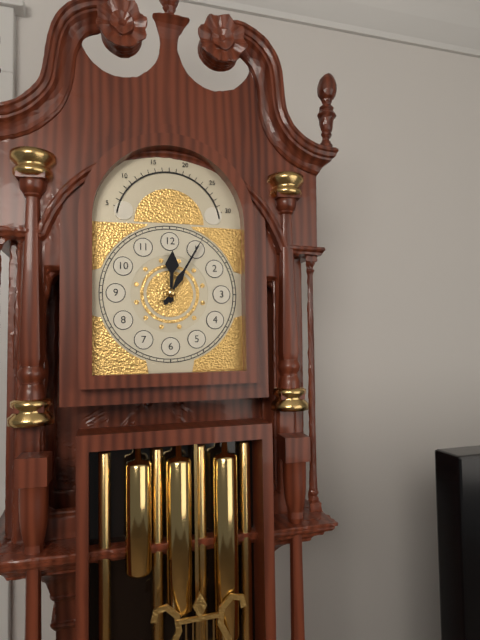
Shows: 12:05
